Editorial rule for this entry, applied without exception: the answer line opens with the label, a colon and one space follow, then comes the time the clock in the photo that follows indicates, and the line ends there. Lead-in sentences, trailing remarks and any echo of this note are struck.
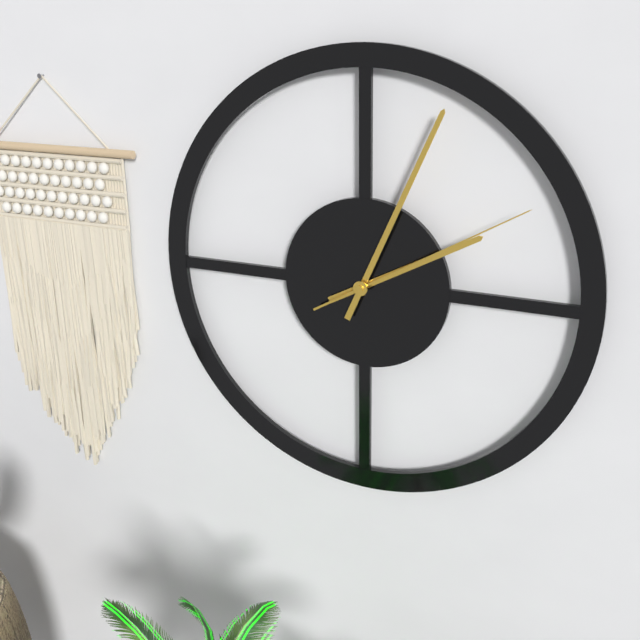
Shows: 2:04:10
